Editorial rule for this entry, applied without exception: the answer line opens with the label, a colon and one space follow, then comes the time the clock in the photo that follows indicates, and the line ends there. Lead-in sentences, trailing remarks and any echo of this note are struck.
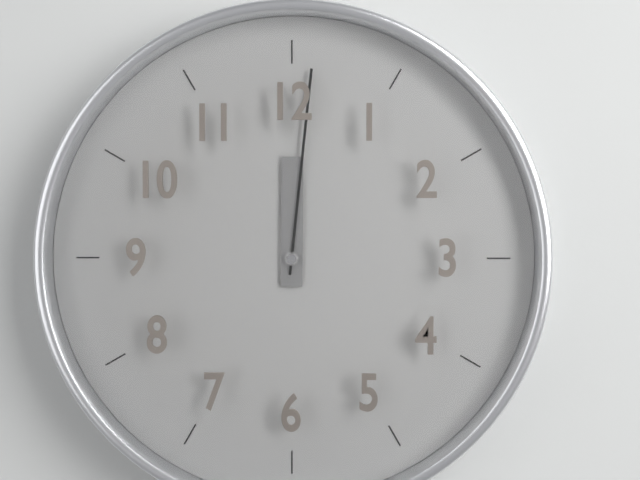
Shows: 12:01
